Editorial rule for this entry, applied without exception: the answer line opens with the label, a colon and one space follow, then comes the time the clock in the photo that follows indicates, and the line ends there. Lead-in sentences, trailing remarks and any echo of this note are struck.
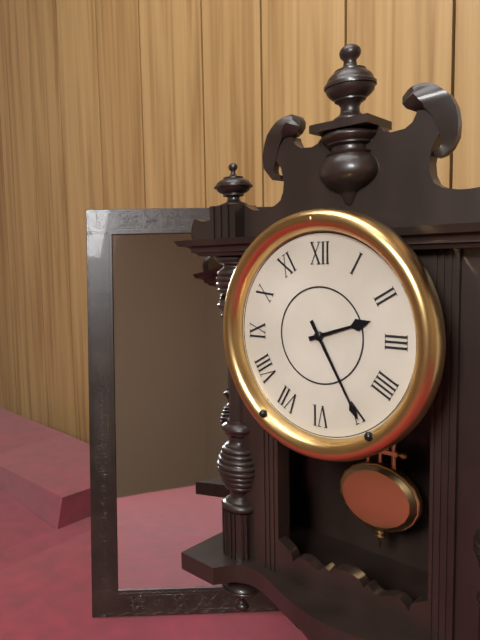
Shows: 2:25
